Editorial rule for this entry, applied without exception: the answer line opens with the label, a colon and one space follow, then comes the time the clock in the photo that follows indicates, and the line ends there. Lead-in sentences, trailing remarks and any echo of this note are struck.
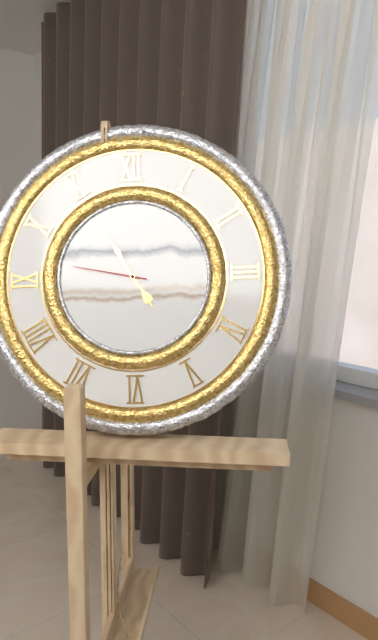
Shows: 4:55:47
